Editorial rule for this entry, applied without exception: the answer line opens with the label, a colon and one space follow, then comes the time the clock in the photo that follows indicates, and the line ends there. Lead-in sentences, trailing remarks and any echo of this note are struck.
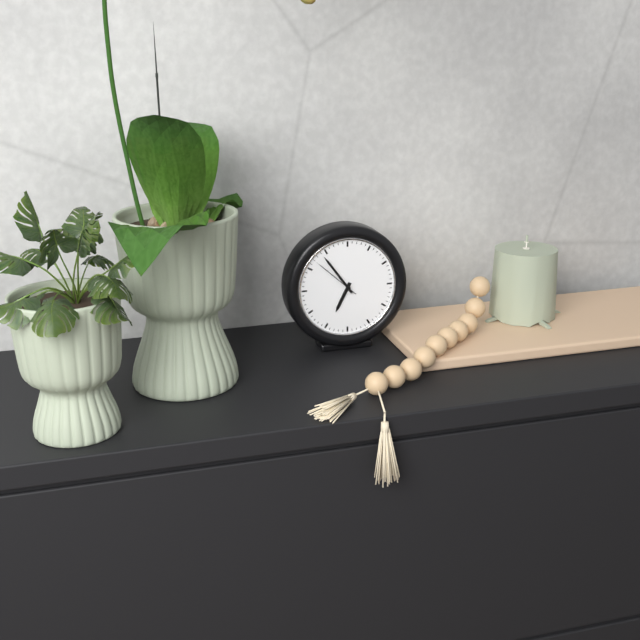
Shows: 6:54
